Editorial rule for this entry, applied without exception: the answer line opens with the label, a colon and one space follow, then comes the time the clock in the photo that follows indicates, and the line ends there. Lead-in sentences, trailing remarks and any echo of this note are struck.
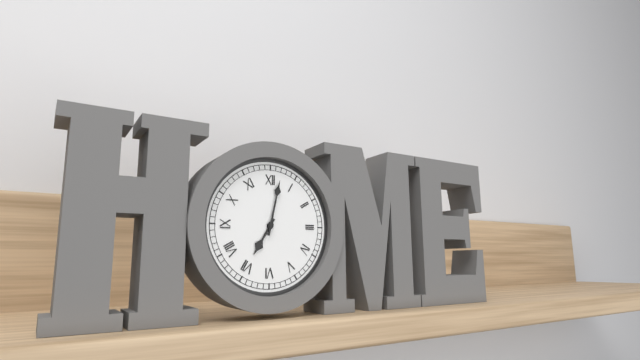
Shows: 7:02
